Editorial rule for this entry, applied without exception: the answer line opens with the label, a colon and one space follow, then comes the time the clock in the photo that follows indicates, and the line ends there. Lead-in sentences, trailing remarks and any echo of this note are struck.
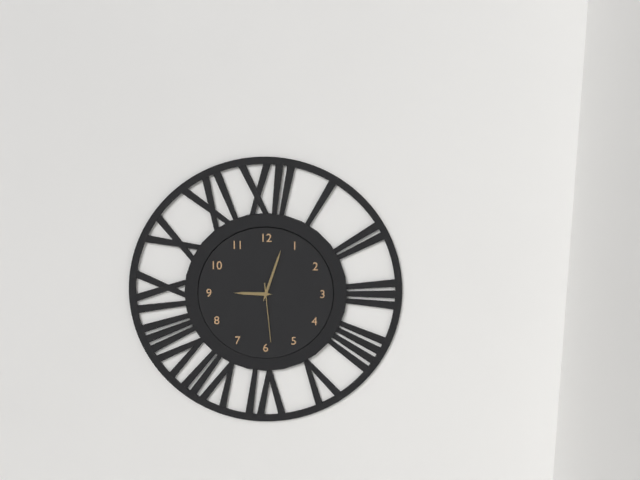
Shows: 9:03:29
